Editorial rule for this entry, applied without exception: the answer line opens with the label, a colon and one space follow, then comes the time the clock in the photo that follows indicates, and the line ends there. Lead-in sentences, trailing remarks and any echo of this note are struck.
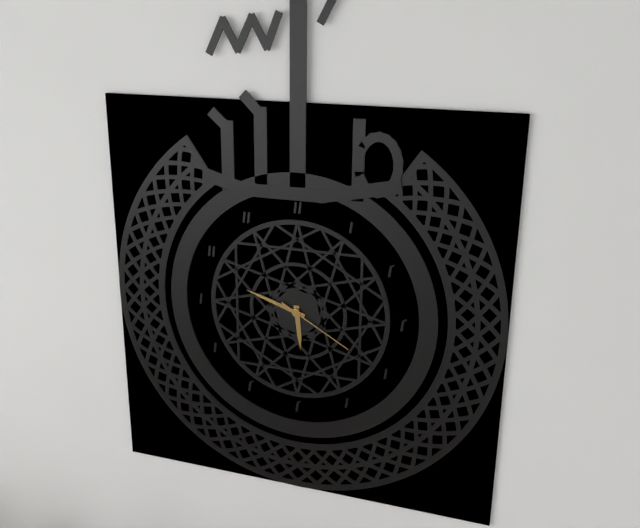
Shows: 5:48:20
